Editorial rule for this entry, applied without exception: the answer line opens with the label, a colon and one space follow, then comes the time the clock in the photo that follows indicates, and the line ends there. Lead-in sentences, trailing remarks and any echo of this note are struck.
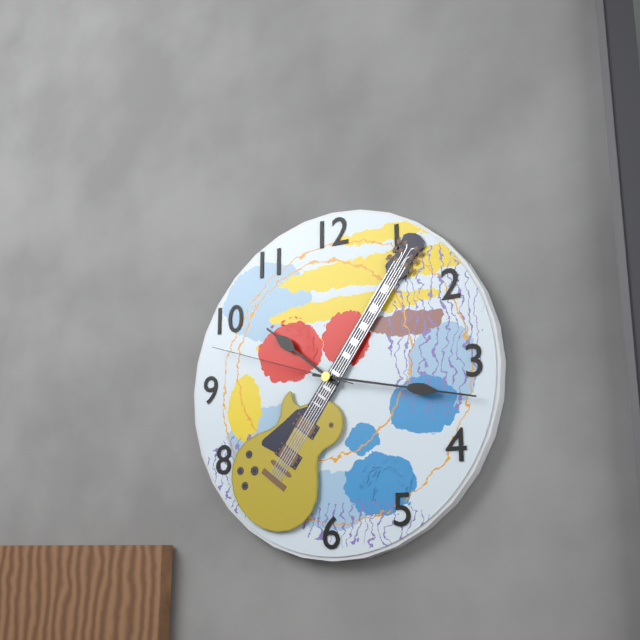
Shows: 10:17:48
